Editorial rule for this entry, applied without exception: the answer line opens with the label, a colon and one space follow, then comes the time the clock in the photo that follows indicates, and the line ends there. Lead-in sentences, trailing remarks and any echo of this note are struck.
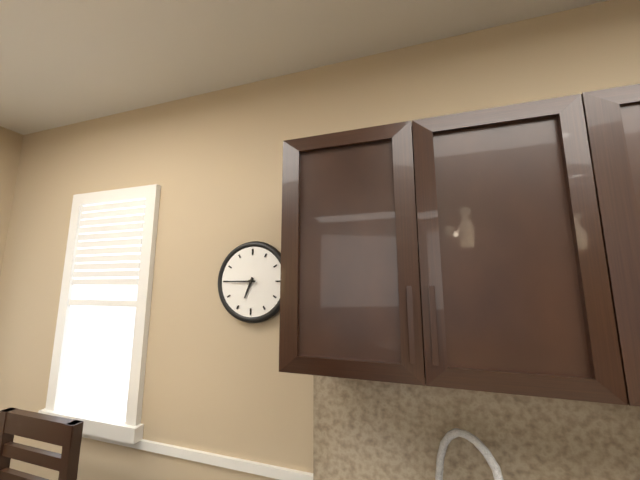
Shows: 6:45
